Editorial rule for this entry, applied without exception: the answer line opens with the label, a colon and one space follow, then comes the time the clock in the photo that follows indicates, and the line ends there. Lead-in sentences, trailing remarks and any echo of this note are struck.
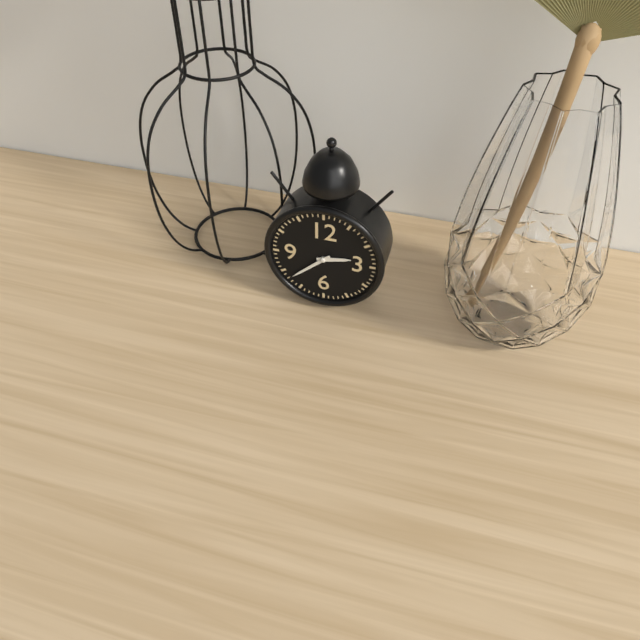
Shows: 2:38
